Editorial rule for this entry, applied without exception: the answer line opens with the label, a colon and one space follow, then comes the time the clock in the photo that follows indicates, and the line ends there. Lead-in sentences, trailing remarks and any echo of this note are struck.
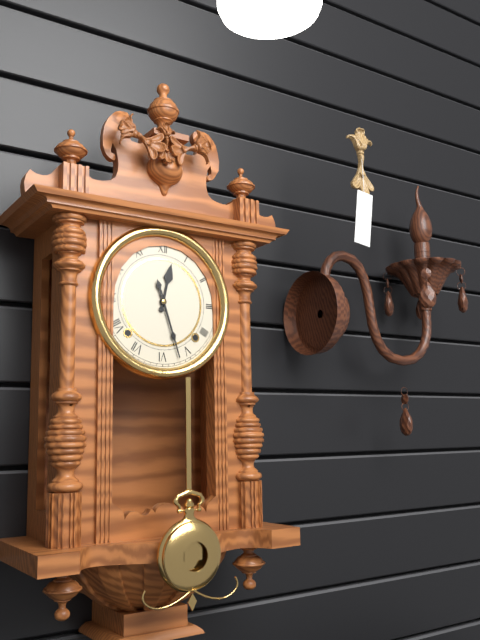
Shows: 12:27
